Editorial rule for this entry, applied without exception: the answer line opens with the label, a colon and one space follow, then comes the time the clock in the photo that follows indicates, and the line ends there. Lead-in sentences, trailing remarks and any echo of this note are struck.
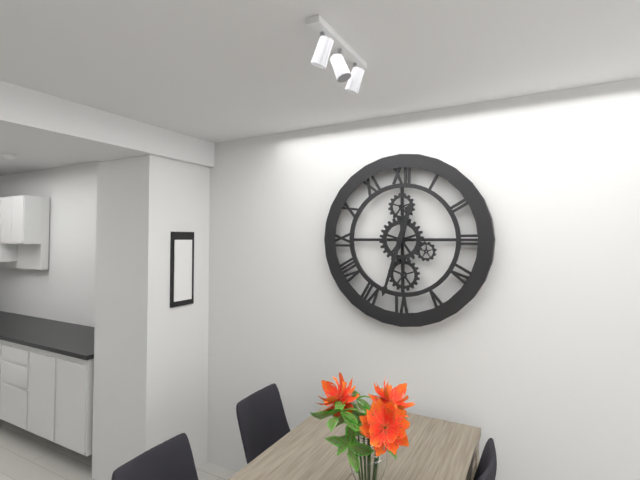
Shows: 12:33
